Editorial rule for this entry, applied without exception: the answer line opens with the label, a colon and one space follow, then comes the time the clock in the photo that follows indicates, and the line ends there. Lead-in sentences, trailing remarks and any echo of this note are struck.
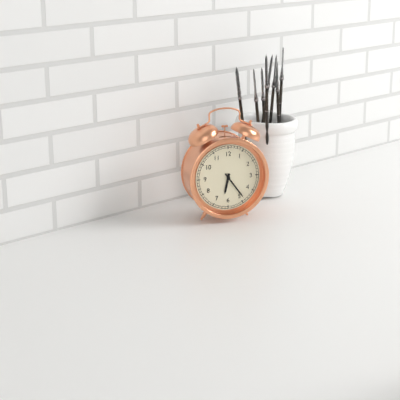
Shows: 6:24
